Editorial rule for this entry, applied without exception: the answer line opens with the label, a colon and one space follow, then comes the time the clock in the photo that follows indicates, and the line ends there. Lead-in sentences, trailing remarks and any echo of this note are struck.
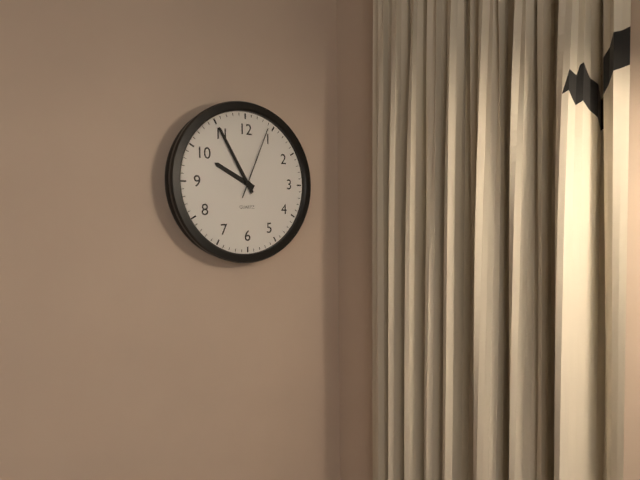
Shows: 9:55:04
